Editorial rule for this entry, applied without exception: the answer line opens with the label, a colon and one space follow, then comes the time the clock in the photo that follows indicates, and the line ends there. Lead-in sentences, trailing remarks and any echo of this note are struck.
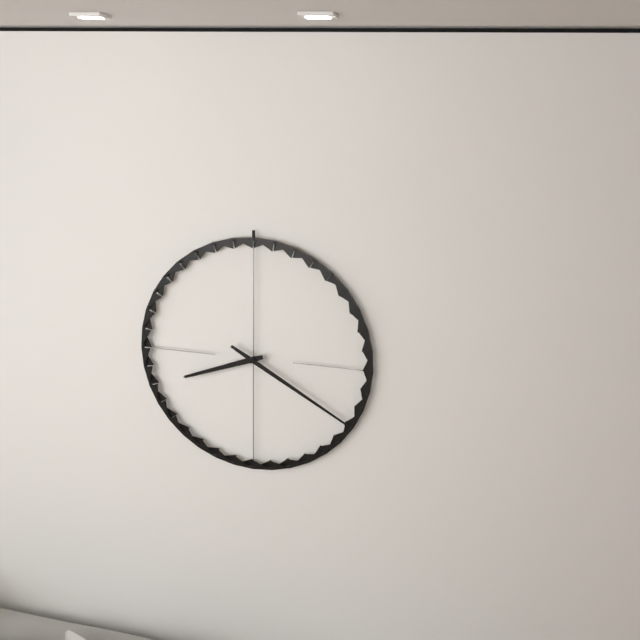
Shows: 8:20
